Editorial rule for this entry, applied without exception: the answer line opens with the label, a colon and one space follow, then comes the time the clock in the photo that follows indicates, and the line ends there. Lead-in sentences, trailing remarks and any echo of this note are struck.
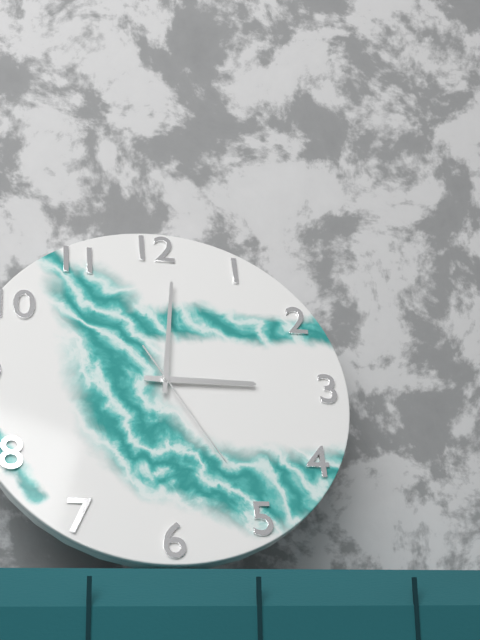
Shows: 3:01:25
